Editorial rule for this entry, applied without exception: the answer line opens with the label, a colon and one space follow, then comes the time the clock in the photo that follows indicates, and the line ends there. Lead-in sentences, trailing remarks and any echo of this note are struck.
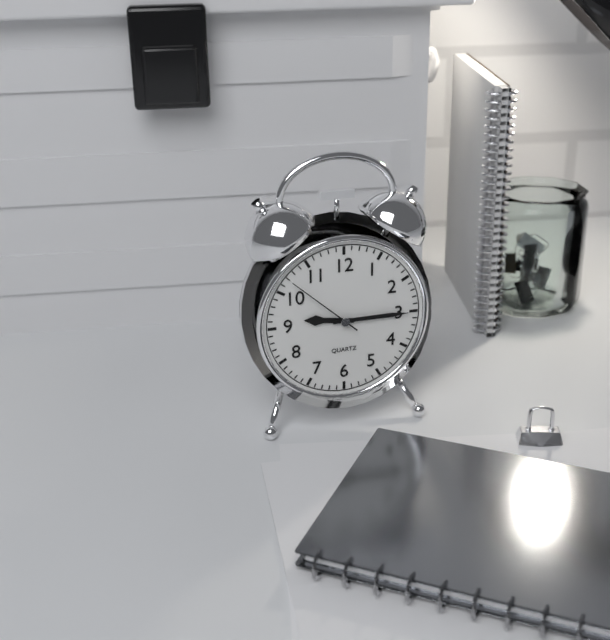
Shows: 9:15:52
